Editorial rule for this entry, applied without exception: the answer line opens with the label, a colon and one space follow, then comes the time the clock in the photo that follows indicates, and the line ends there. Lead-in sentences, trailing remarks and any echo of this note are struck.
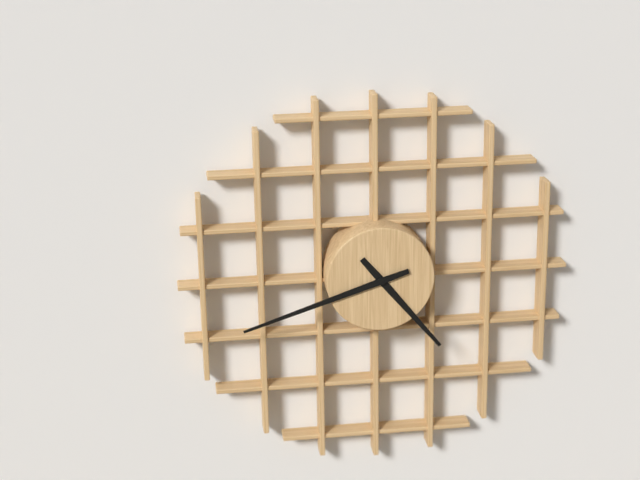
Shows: 4:42
